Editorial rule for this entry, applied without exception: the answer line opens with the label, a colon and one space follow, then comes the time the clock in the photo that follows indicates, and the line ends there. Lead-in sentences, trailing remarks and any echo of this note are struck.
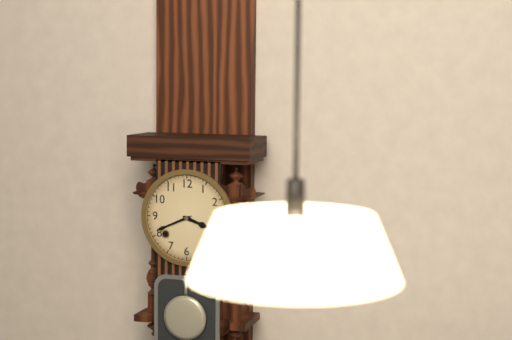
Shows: 3:41
